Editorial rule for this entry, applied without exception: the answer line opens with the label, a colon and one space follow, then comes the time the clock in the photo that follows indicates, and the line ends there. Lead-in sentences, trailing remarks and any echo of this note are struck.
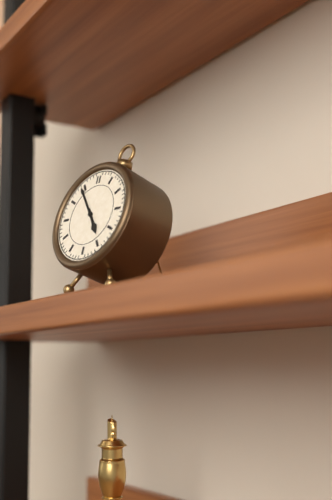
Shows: 4:54
